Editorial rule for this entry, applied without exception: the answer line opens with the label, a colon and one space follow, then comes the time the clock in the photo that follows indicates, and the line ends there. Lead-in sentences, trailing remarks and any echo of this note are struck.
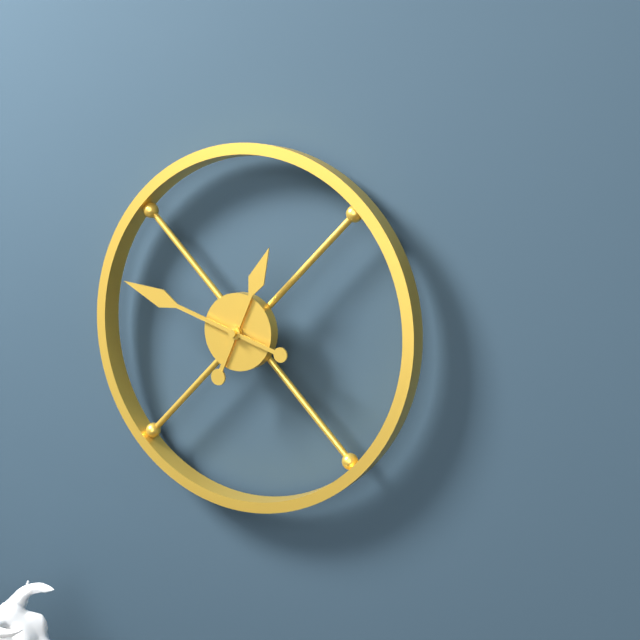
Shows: 12:48
